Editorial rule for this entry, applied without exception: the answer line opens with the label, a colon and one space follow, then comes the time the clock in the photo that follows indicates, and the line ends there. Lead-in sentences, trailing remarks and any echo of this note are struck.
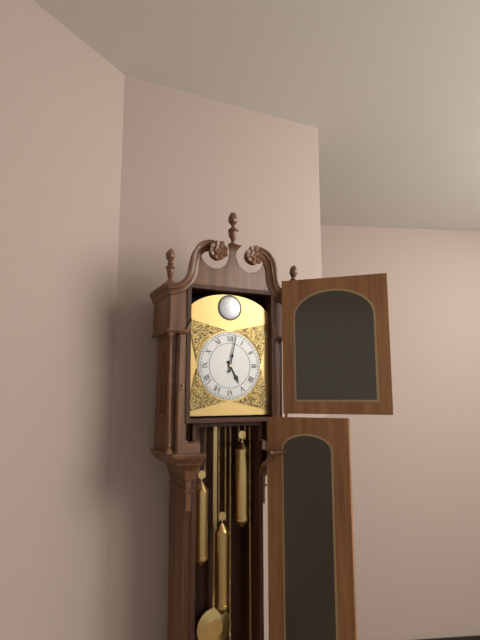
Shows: 5:02
